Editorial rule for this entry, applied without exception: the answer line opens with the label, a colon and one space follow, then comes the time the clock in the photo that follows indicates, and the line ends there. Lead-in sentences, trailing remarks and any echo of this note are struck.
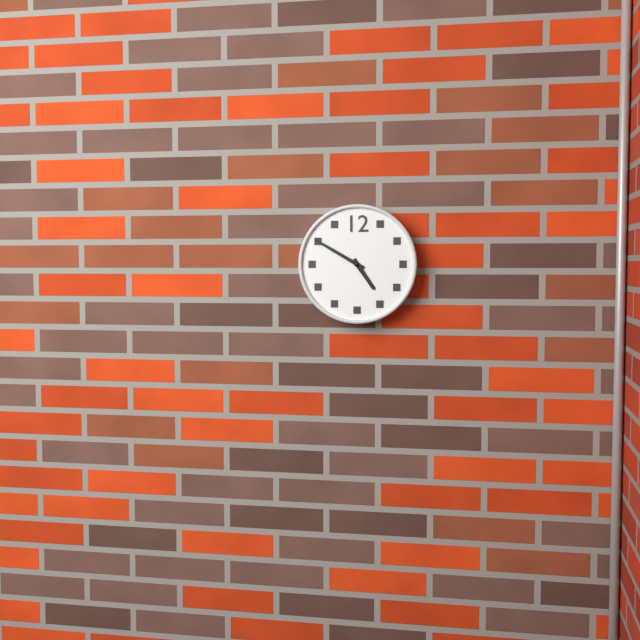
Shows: 4:50
